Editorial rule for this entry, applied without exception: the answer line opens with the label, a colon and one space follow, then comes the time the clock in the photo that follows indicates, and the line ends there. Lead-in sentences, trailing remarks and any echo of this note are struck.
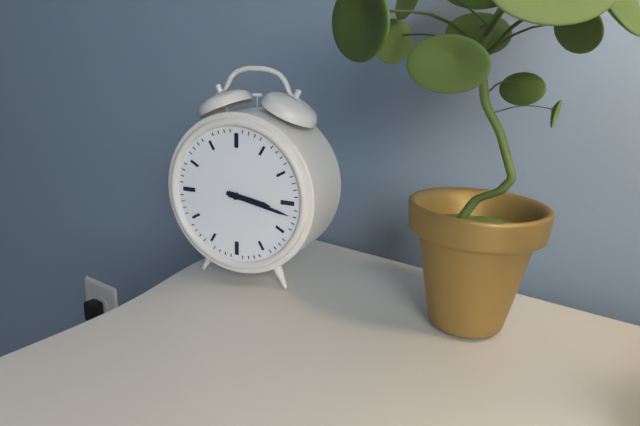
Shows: 3:17
